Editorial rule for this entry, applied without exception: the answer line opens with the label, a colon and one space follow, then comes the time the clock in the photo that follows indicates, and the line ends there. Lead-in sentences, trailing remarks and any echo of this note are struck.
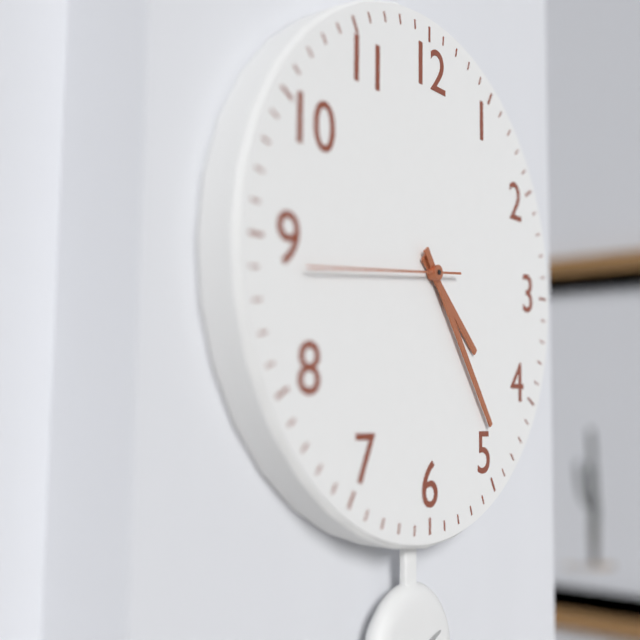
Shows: 4:24:44
